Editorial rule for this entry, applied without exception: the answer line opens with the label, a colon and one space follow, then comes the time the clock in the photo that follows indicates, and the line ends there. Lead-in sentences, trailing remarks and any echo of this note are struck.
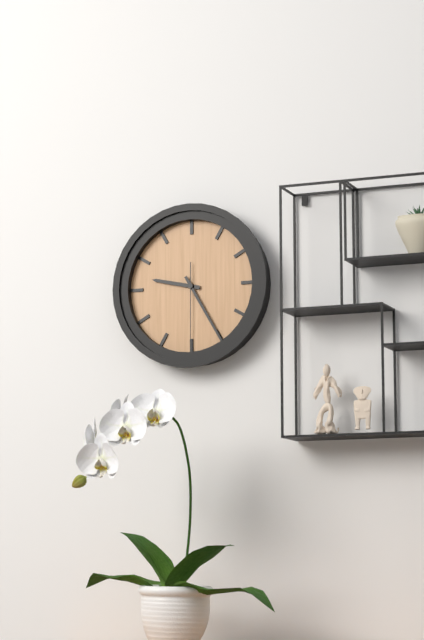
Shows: 9:25:30
